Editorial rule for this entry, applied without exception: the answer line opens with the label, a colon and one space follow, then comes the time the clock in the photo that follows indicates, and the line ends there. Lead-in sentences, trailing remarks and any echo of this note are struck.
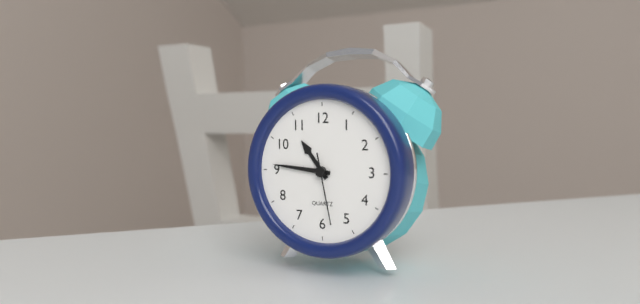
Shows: 10:46:28
